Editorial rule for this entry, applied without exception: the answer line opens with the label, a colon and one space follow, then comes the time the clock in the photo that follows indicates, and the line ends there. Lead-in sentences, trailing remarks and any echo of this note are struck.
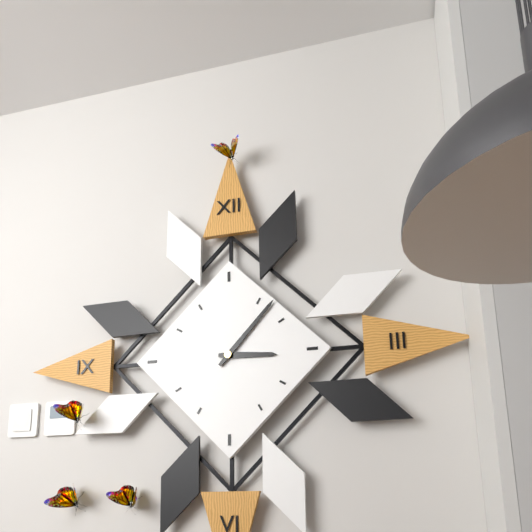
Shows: 3:07
